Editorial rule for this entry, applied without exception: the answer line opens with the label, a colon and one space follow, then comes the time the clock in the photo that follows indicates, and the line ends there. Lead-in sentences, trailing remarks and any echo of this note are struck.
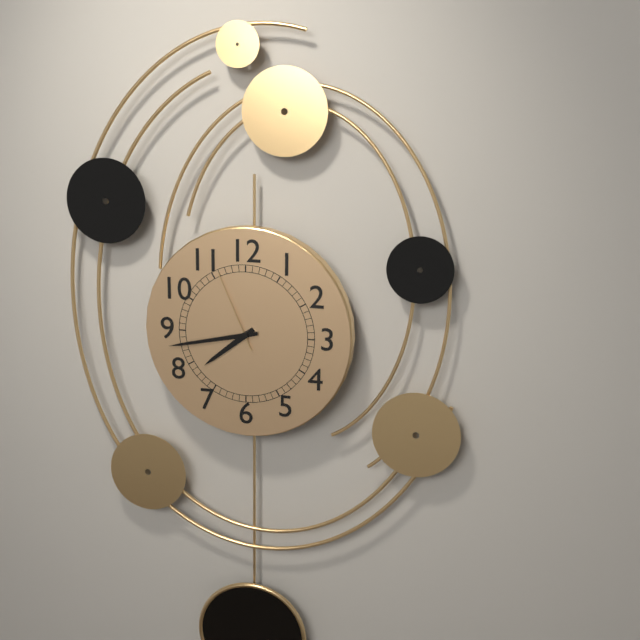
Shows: 7:43:56
